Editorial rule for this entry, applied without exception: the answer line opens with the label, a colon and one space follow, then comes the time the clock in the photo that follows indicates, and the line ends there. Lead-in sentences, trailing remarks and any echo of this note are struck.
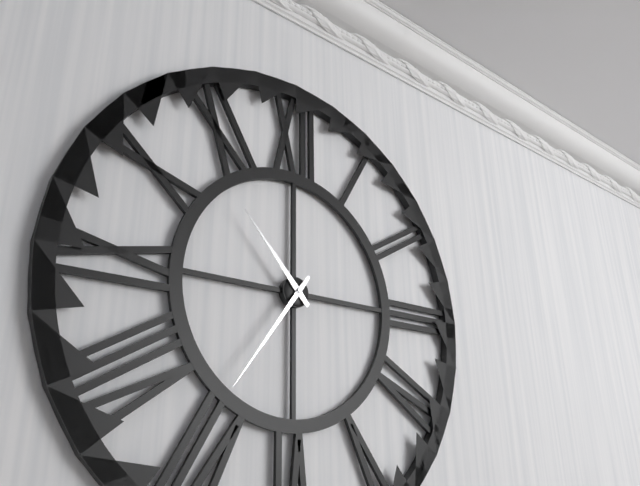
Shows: 10:36
